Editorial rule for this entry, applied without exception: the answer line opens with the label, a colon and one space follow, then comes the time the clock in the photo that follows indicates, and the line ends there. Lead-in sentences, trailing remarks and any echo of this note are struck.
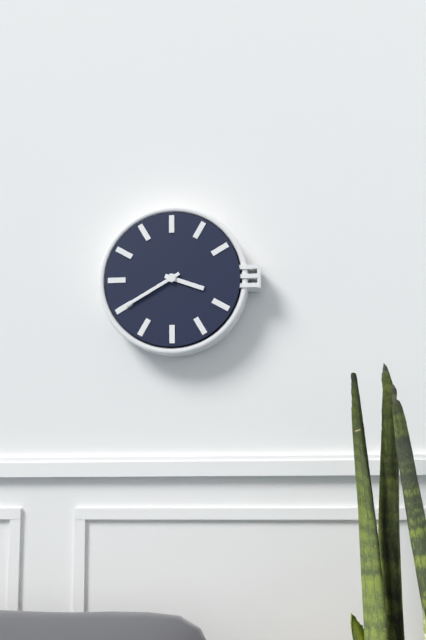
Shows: 3:40
